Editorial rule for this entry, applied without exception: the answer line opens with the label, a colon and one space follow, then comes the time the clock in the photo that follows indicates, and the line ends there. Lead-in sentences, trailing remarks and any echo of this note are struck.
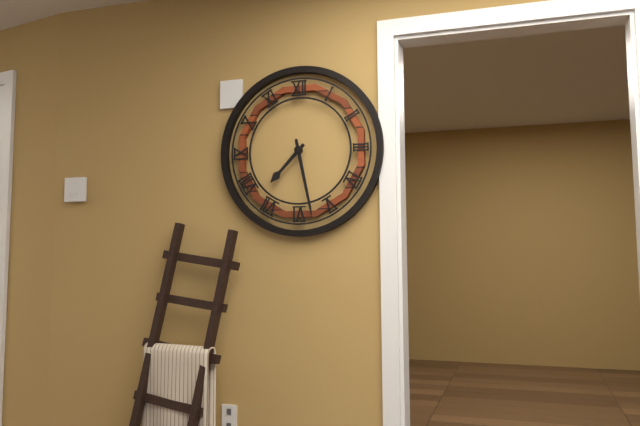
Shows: 7:28
